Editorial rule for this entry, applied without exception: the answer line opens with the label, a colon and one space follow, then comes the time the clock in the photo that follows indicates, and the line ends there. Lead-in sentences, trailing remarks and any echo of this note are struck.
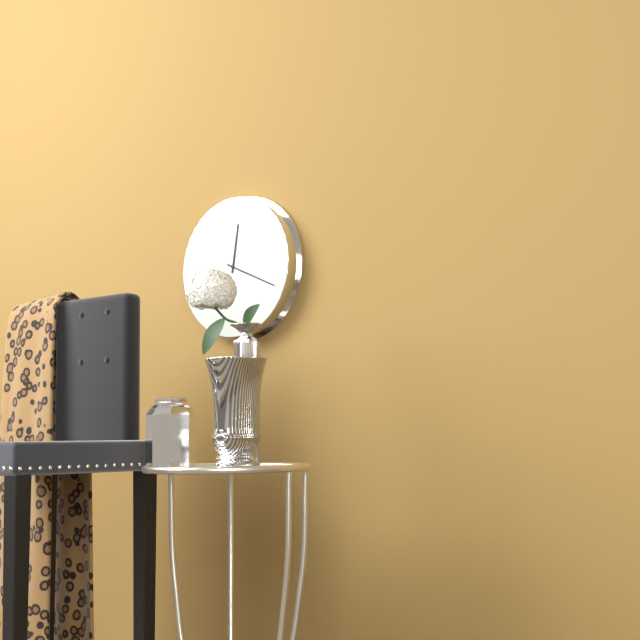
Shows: 12:19
